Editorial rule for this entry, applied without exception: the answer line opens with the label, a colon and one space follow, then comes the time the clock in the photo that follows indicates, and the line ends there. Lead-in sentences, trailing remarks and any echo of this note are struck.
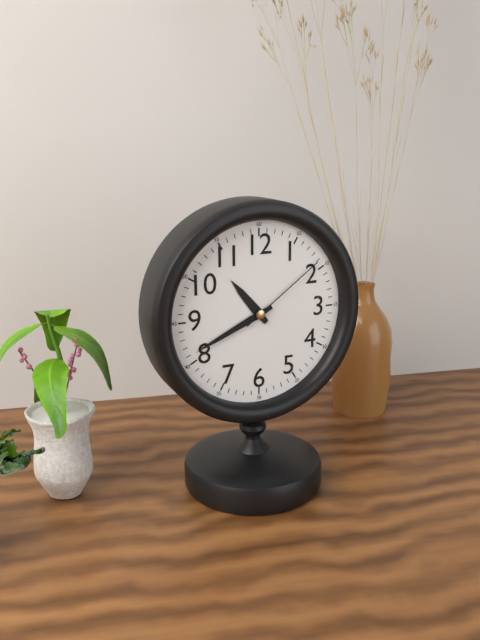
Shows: 10:41:09
